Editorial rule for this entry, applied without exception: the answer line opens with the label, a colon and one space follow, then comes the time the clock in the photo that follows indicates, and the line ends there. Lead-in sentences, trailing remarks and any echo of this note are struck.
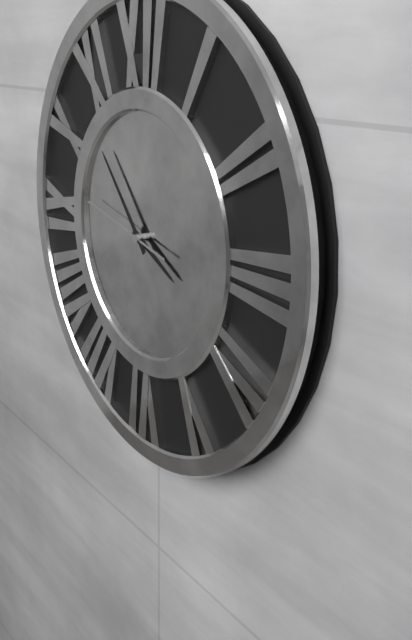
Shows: 3:53:47
